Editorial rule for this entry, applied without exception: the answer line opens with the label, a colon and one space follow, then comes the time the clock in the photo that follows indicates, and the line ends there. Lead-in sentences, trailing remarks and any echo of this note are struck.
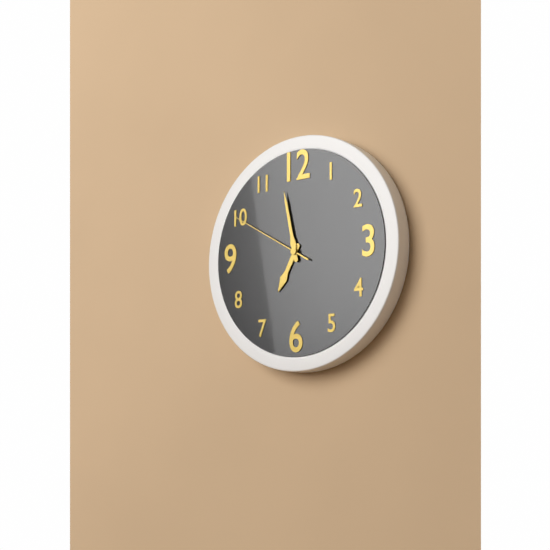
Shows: 6:58:50
